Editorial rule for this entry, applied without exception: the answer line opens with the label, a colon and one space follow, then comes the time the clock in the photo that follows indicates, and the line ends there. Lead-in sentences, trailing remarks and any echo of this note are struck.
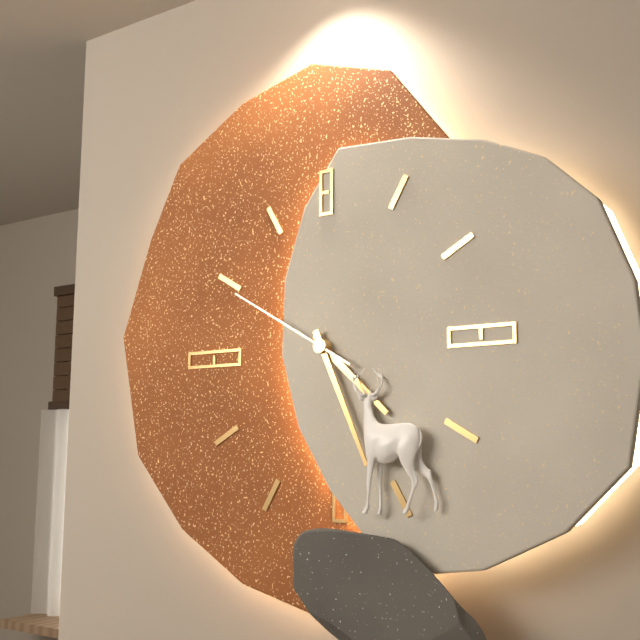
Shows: 4:26:50
